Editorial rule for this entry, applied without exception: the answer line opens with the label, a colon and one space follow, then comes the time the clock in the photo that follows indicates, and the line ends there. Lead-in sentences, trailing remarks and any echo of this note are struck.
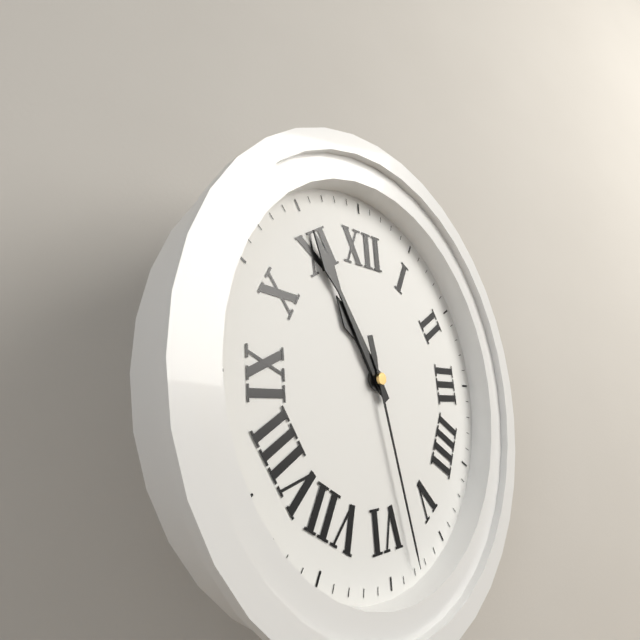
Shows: 10:55:28
